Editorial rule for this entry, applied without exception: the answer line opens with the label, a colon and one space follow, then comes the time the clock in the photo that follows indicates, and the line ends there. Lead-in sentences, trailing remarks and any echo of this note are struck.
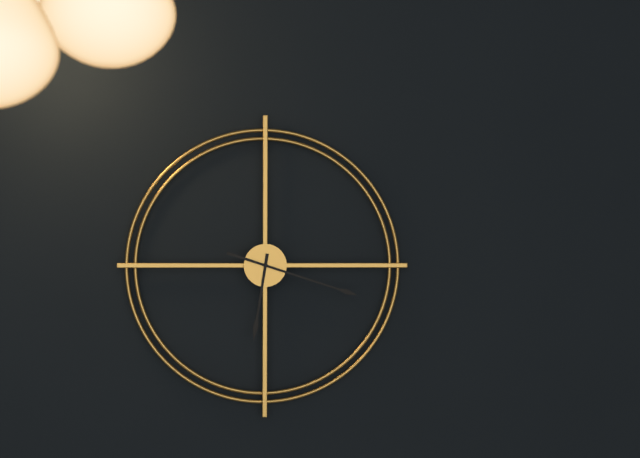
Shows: 6:18
